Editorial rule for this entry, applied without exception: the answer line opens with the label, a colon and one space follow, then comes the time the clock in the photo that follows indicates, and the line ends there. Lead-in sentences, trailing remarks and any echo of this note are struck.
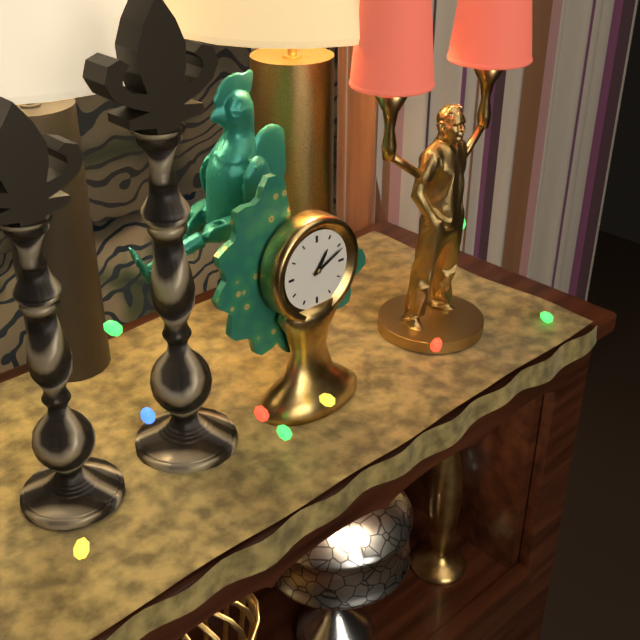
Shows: 1:11
